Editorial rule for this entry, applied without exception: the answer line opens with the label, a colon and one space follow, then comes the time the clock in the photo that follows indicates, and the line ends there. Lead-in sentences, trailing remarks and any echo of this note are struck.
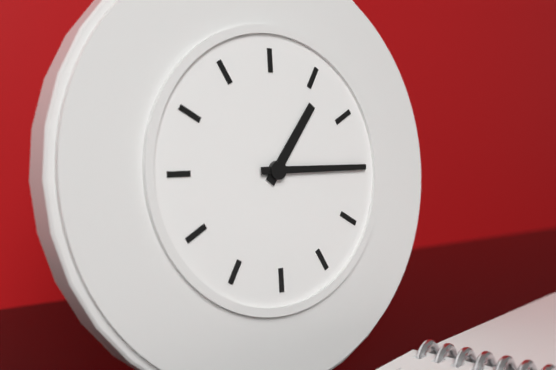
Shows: 1:15
